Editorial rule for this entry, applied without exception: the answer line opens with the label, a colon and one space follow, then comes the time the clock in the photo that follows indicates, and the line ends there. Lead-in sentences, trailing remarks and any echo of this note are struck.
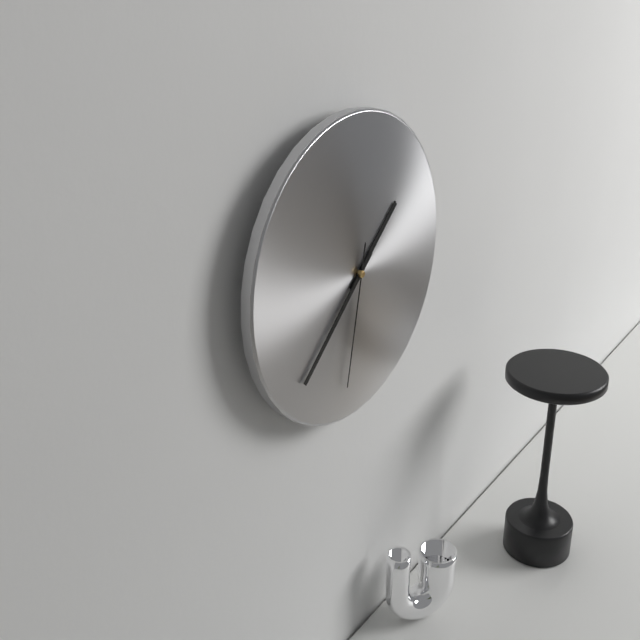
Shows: 1:38:32
